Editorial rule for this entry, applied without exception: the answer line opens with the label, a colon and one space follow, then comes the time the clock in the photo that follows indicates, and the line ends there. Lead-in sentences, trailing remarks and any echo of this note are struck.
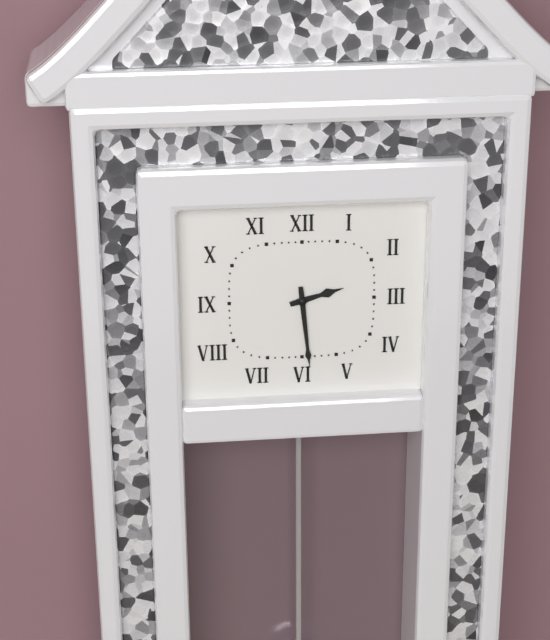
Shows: 2:29
